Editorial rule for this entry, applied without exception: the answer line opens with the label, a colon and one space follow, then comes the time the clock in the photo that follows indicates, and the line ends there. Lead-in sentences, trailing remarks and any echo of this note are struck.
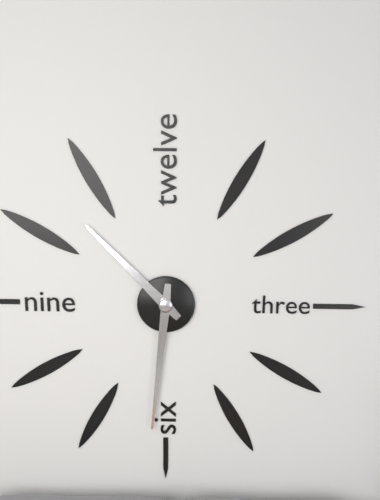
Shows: 10:31
